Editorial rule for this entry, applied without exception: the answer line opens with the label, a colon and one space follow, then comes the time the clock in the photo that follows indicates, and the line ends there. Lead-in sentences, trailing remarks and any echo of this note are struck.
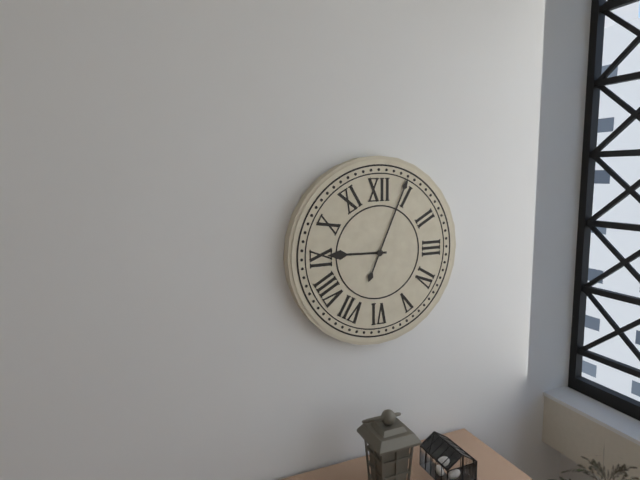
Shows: 9:04
